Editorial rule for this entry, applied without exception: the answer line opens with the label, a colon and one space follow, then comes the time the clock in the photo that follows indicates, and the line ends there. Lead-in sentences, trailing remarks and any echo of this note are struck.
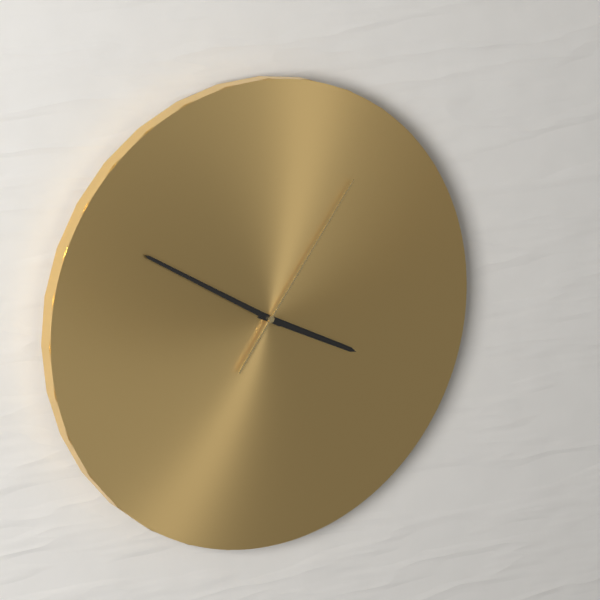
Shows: 3:50:06
